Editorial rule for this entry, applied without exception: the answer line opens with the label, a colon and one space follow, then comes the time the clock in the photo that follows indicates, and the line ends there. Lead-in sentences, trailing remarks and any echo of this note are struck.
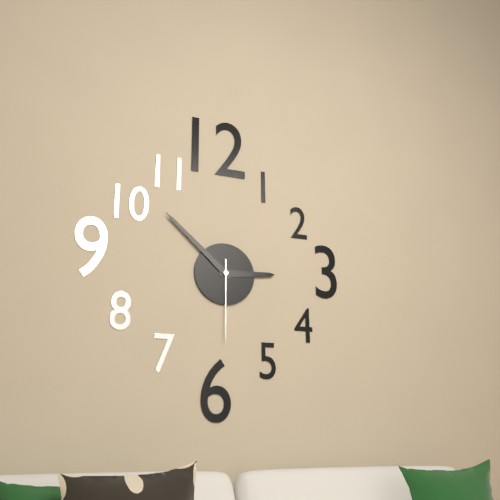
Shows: 2:52:30
